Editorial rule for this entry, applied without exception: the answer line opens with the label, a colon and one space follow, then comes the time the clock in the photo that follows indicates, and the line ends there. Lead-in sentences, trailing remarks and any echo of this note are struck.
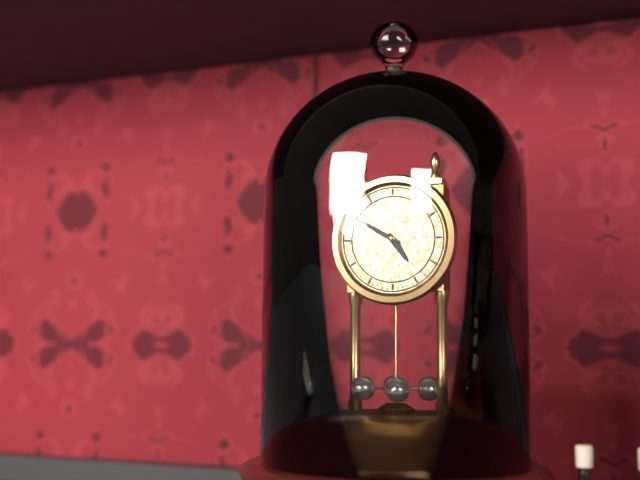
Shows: 4:50
